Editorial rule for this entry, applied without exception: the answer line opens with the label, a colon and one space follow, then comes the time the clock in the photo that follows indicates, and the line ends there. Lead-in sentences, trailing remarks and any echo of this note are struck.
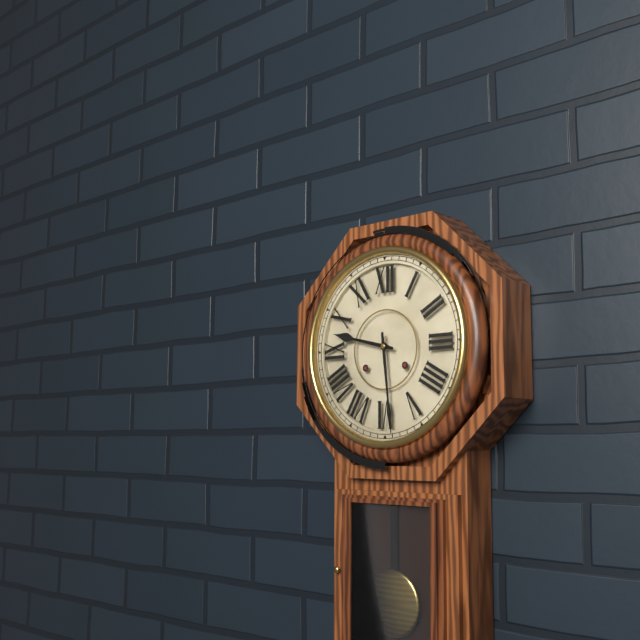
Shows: 9:29
